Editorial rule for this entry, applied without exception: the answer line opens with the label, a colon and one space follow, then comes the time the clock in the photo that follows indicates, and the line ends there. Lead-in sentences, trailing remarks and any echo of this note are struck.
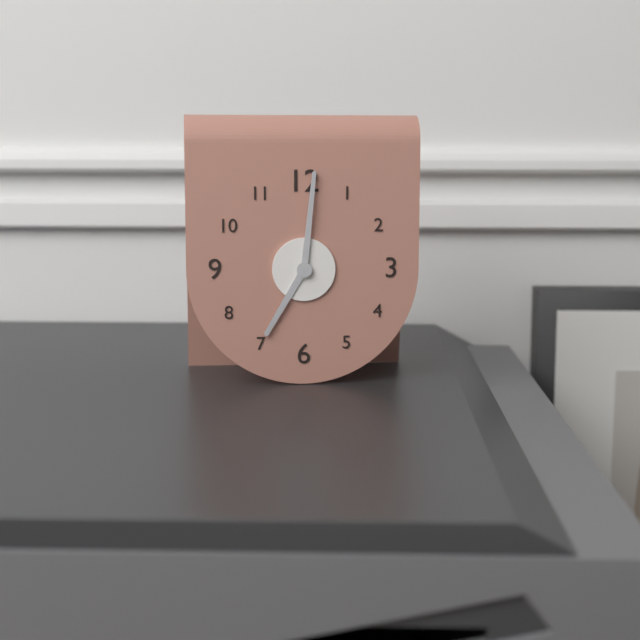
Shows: 7:01
